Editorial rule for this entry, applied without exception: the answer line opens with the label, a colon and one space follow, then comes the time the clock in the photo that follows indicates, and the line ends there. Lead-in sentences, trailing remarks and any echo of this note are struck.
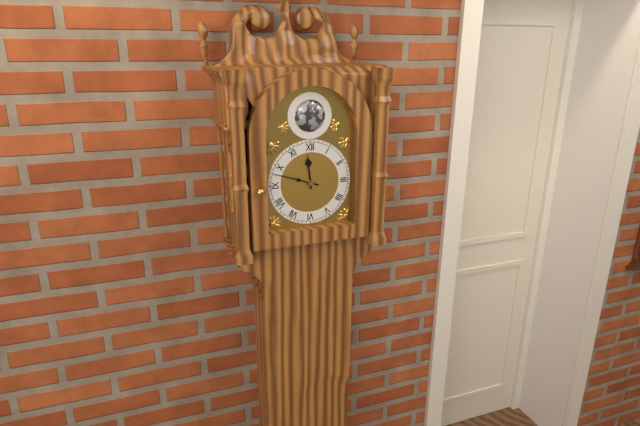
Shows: 11:48
